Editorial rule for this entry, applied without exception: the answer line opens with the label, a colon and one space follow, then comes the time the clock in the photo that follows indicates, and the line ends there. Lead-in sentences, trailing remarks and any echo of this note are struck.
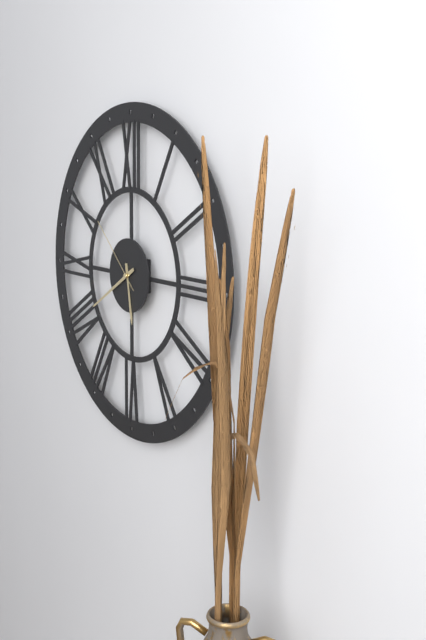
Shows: 5:40:52
